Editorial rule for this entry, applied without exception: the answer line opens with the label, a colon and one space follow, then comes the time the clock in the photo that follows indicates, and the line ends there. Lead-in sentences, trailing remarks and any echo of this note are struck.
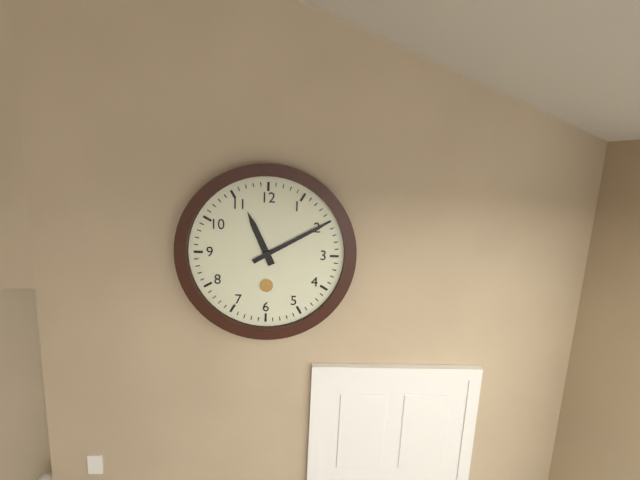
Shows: 11:10
